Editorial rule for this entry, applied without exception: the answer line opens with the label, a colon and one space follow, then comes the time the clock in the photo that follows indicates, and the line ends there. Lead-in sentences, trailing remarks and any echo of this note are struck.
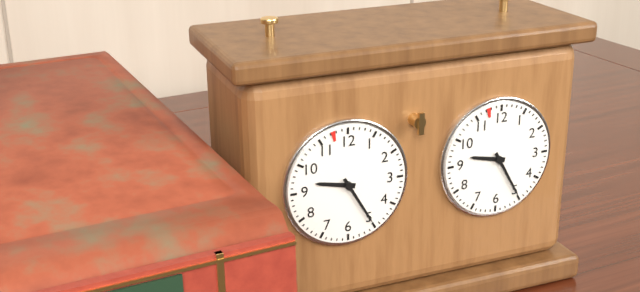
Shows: 9:25
